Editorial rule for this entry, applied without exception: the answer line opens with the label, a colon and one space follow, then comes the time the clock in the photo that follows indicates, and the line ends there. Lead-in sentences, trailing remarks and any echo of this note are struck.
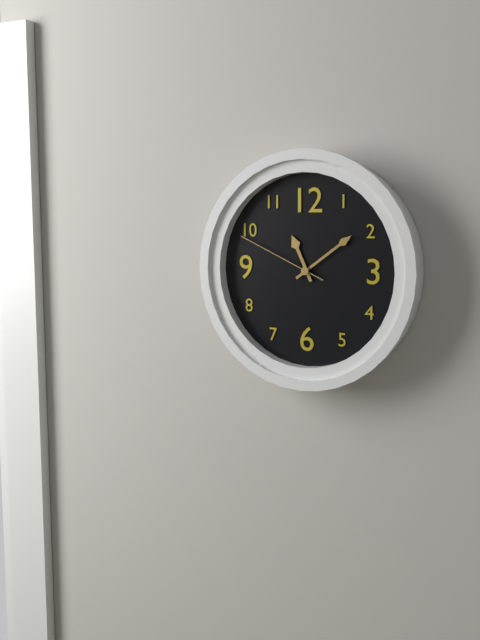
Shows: 11:09:49
